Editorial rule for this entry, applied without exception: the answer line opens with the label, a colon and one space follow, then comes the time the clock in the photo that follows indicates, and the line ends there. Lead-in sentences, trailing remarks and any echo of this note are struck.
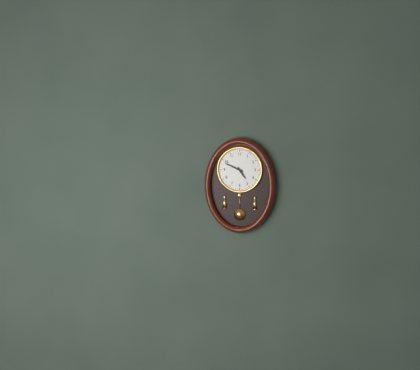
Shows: 4:49
